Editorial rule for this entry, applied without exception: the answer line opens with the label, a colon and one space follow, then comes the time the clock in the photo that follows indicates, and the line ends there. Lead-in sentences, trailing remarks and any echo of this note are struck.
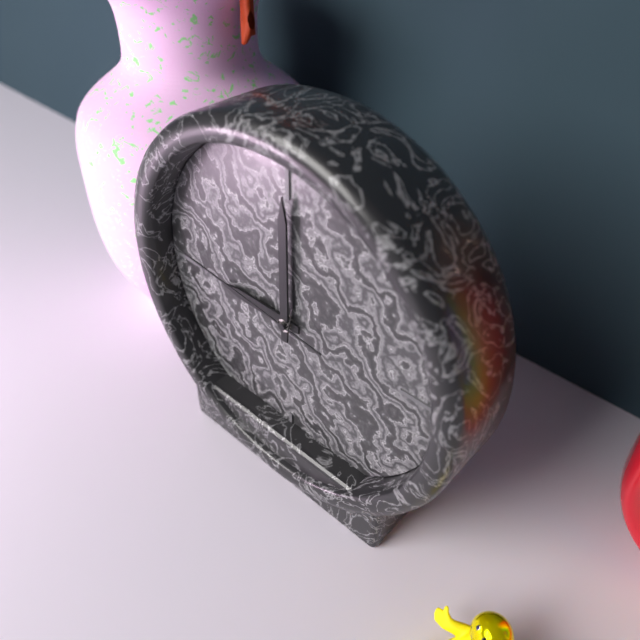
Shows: 9:00:46
